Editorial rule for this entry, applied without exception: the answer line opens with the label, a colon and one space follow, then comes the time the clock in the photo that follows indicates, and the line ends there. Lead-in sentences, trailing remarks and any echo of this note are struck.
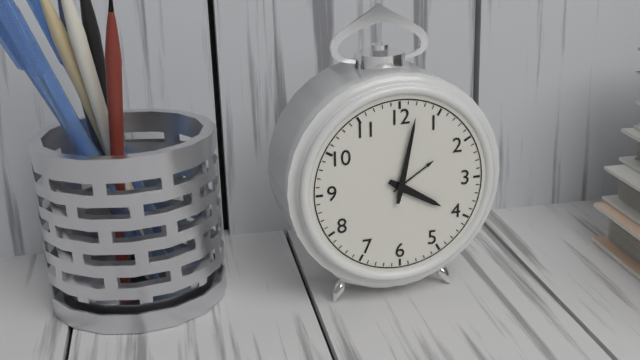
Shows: 4:02
